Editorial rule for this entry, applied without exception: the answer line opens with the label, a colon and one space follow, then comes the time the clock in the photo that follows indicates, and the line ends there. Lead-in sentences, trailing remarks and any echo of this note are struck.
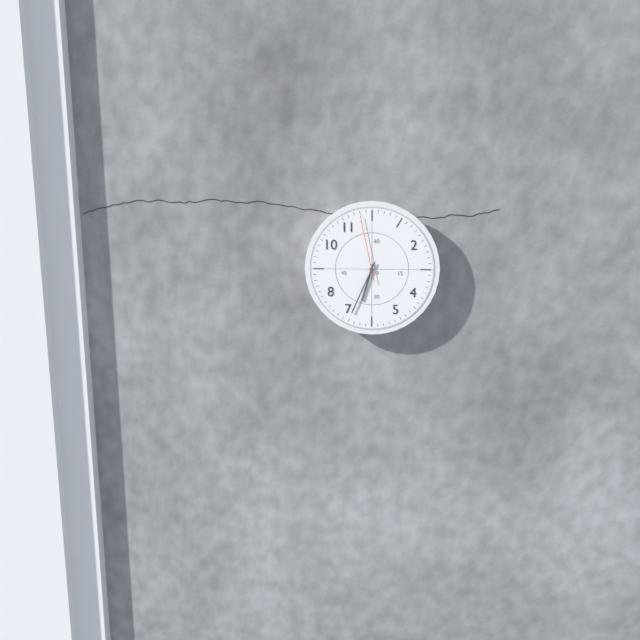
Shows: 6:34:58
